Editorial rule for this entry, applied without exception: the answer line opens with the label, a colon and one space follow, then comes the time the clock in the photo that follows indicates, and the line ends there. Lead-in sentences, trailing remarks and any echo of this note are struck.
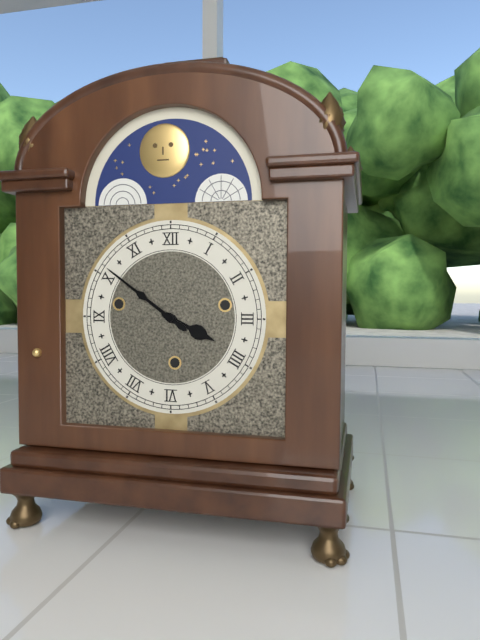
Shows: 3:51
